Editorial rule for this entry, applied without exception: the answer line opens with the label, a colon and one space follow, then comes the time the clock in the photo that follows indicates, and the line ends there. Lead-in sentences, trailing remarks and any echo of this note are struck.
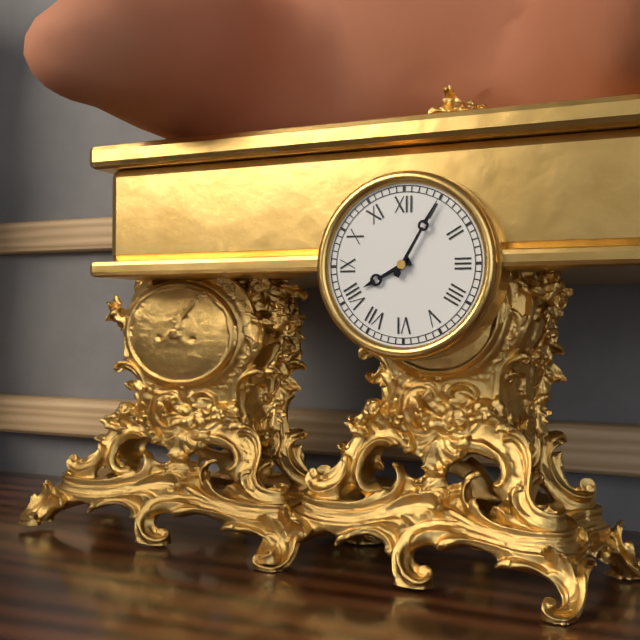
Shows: 8:05
